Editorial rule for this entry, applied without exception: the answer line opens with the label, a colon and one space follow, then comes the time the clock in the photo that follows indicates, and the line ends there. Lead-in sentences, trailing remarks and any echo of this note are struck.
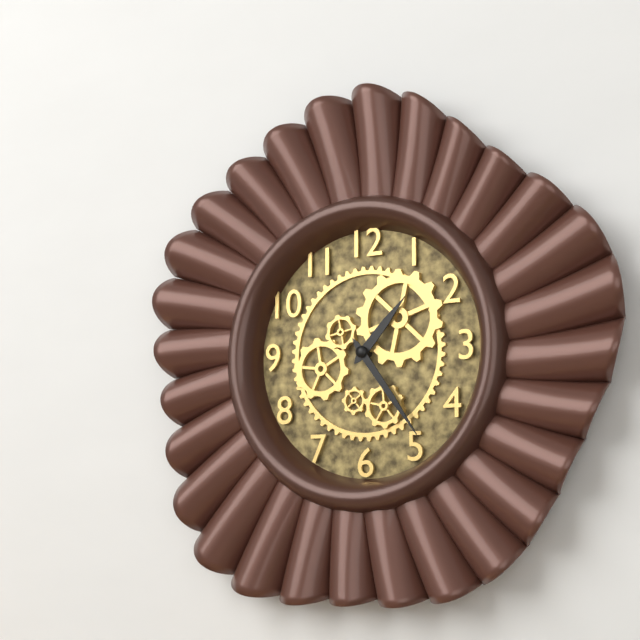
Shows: 1:24
